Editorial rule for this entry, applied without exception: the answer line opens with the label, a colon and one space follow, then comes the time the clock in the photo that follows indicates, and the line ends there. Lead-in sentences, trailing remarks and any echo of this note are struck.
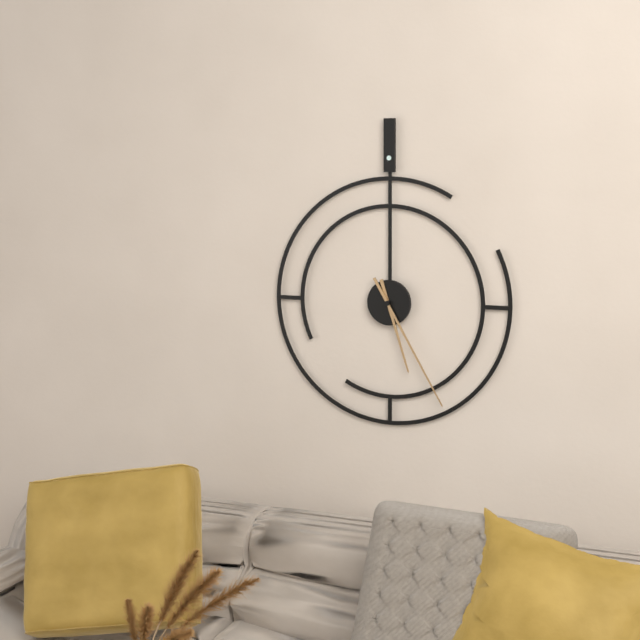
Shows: 5:25
